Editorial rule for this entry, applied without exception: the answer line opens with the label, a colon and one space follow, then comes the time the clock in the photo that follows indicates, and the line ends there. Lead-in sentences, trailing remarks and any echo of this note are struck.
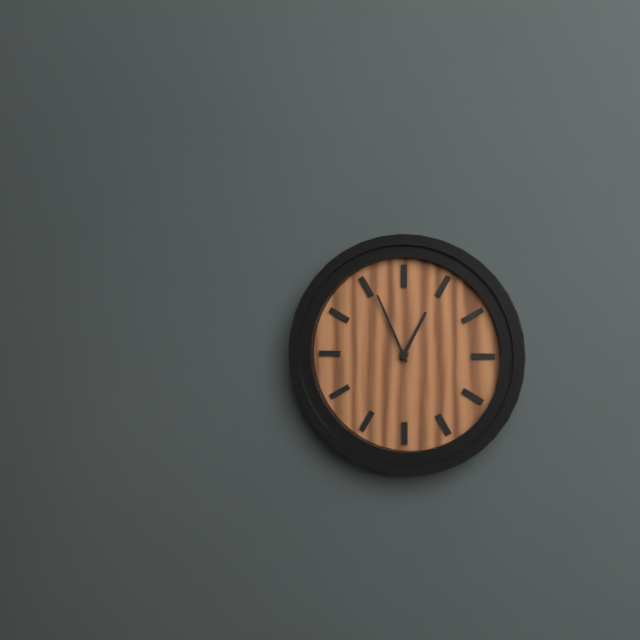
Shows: 12:56
